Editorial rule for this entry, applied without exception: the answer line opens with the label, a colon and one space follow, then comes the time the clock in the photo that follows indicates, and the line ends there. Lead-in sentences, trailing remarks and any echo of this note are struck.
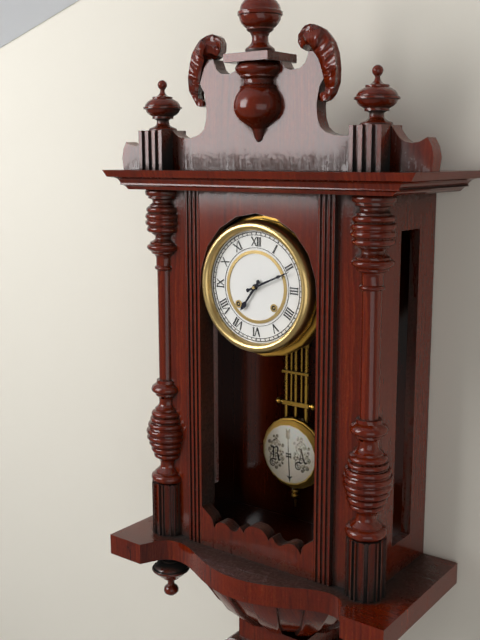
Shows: 7:11
